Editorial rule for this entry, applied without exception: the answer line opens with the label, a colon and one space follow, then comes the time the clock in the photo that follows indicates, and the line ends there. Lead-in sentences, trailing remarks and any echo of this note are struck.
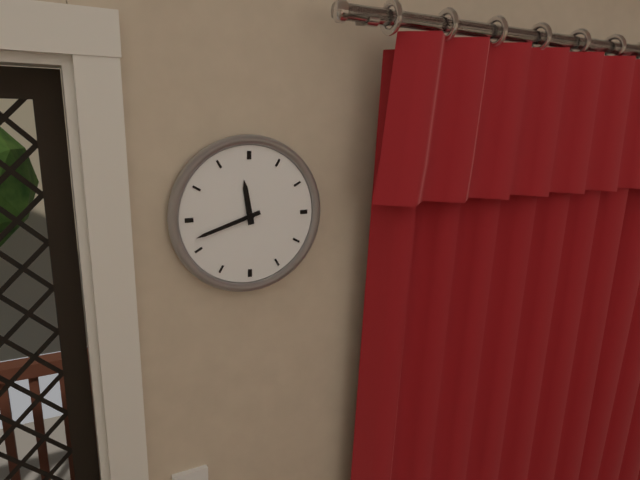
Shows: 11:42
